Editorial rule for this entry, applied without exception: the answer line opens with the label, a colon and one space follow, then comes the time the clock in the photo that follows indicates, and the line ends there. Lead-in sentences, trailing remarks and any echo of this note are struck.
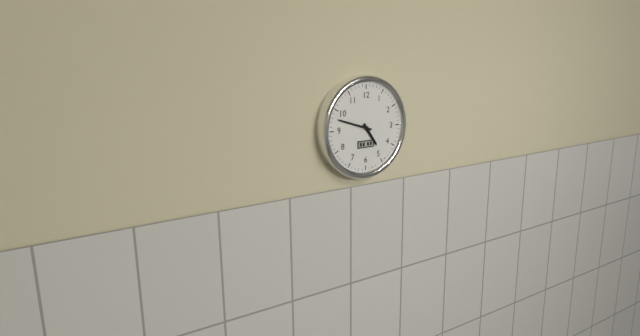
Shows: 4:48
